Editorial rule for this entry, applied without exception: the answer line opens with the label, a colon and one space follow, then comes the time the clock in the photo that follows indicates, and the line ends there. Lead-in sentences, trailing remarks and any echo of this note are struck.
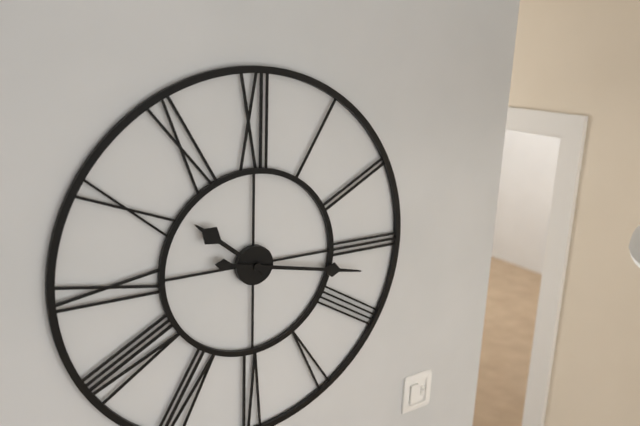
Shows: 10:17
